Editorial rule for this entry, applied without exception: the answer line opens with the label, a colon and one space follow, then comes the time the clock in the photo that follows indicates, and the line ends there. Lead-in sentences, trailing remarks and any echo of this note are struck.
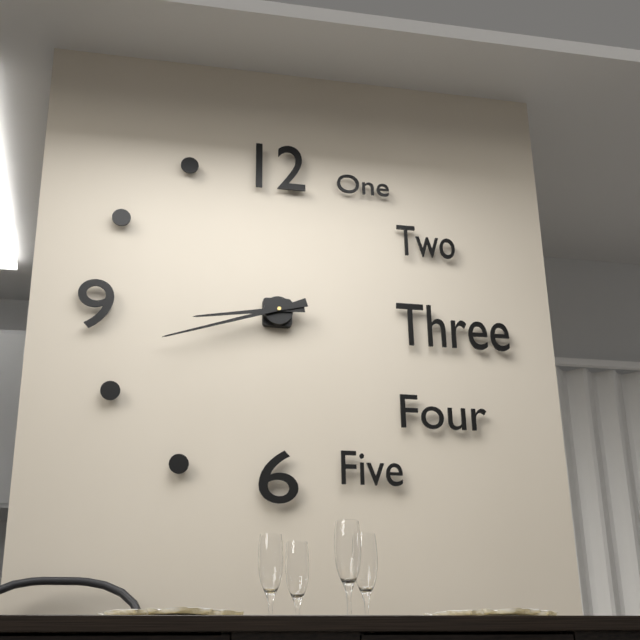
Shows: 8:42
